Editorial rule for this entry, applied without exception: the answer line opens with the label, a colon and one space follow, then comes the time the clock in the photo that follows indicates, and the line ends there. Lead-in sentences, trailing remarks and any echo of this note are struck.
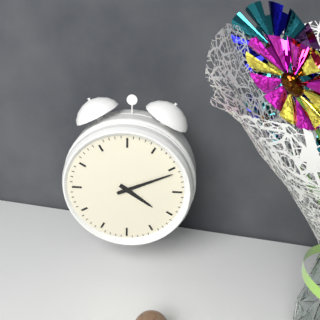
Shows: 4:11
